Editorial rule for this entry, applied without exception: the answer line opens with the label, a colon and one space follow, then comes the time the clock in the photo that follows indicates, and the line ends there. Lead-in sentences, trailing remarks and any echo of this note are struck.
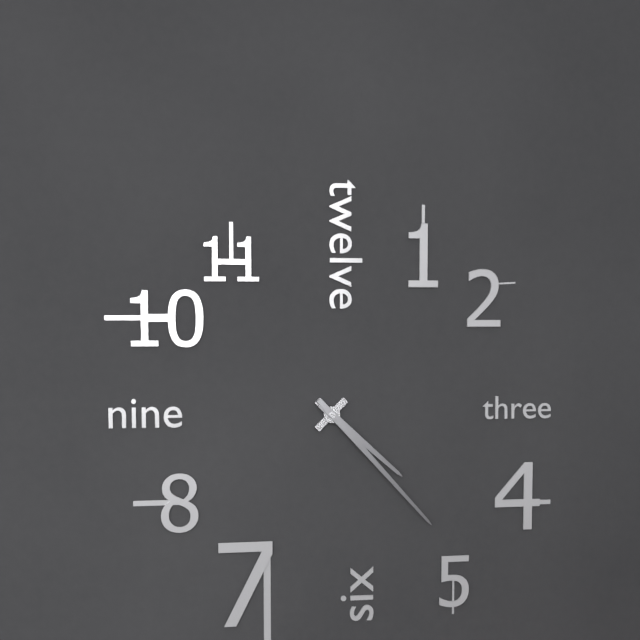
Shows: 4:23
